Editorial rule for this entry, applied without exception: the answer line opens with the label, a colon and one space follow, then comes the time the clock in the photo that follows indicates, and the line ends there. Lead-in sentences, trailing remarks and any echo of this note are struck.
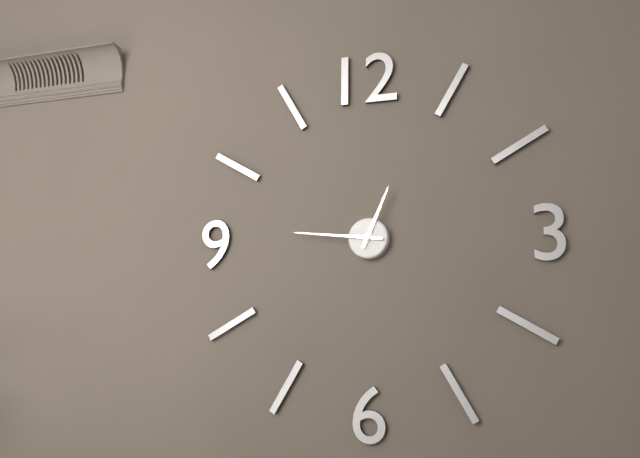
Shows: 12:46
